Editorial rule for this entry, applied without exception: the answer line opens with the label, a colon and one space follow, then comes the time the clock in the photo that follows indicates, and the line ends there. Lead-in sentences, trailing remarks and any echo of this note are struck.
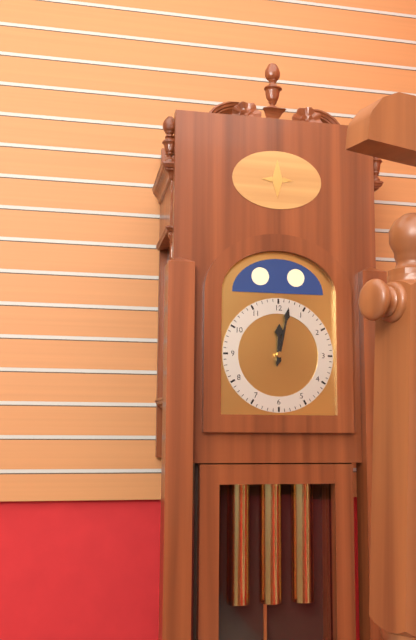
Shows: 12:02
